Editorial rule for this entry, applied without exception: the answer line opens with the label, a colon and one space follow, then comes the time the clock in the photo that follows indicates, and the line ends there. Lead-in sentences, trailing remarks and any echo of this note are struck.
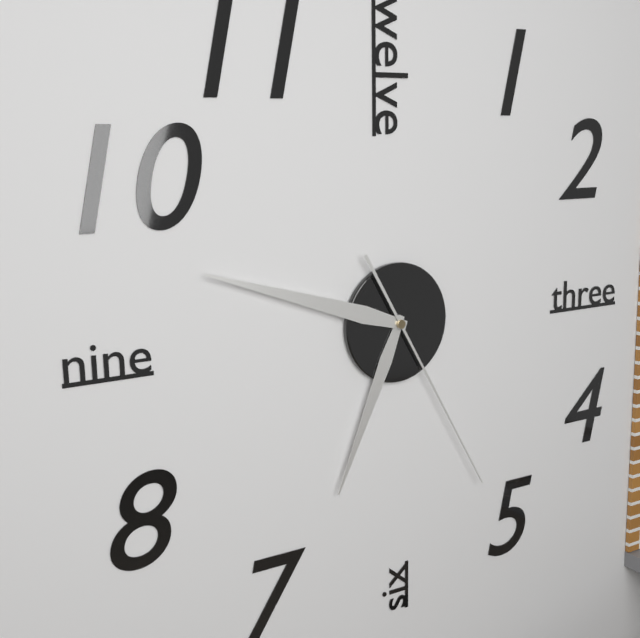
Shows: 6:48:25
